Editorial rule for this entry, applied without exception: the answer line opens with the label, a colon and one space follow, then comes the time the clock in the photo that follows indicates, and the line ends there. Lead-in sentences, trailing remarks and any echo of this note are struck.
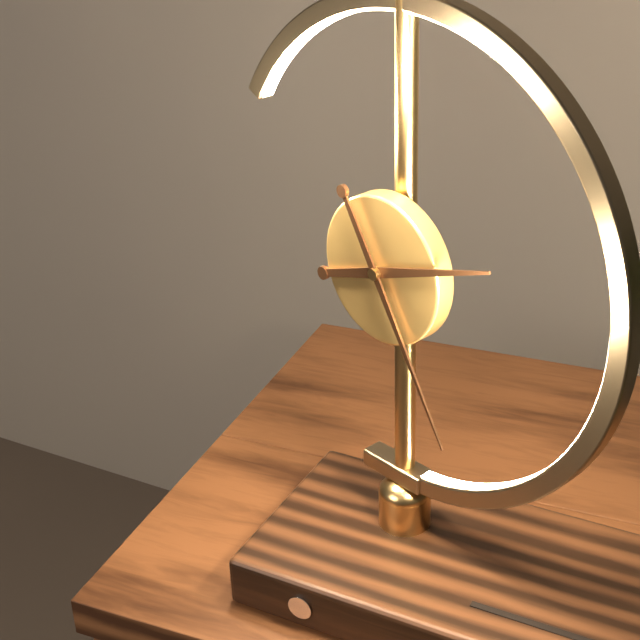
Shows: 2:25
